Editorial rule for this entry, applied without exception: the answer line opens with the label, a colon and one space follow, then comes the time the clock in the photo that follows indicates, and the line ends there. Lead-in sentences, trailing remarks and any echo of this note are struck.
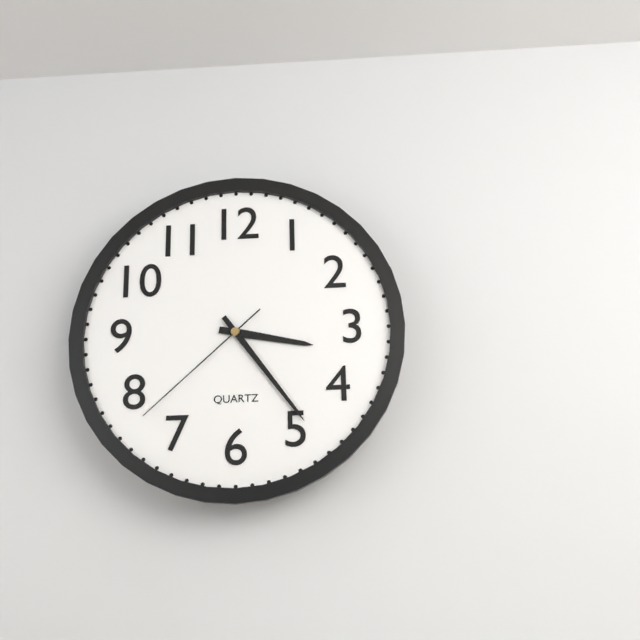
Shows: 3:24:38
